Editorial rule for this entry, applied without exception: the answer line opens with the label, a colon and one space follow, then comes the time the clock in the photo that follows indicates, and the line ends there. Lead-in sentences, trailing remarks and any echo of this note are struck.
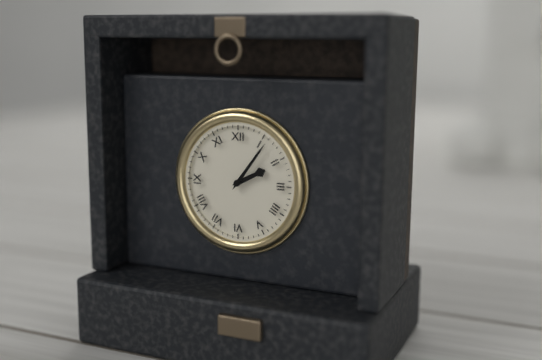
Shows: 2:06
